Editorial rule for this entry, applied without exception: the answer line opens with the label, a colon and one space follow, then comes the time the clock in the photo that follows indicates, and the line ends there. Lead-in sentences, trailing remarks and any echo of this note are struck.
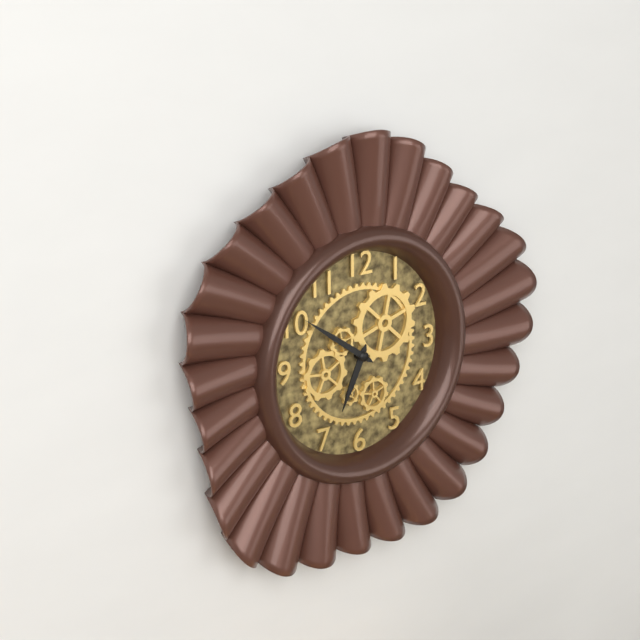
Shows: 6:51
